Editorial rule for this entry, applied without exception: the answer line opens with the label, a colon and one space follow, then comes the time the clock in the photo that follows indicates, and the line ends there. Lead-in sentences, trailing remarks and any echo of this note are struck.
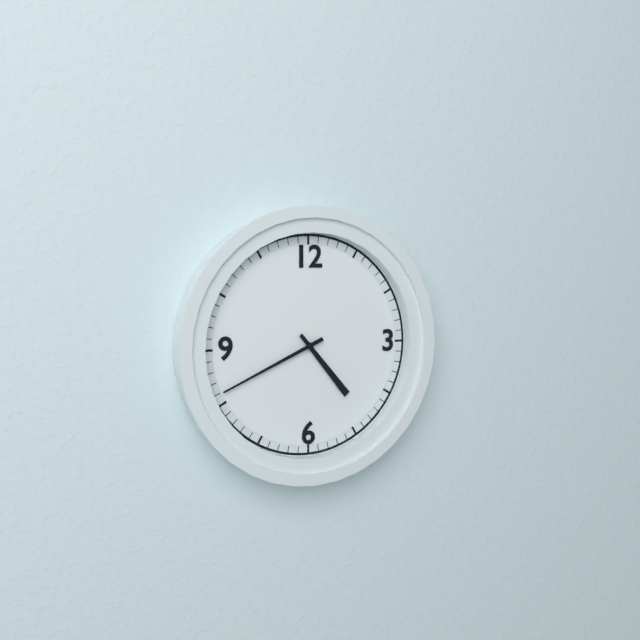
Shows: 4:41
